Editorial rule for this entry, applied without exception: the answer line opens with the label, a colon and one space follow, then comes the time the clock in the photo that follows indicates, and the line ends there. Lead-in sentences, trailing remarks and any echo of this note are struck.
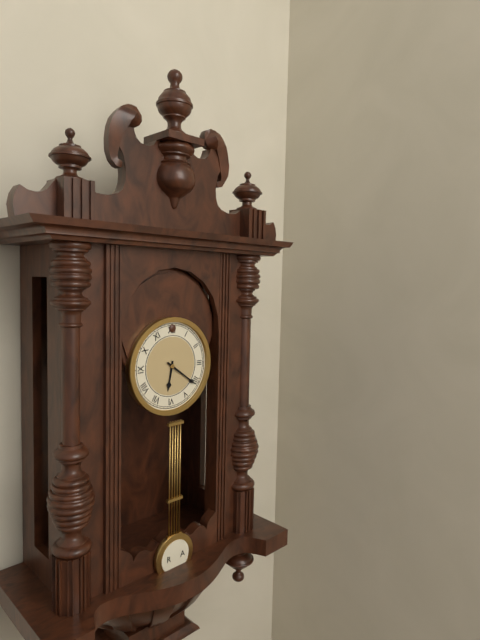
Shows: 6:21
